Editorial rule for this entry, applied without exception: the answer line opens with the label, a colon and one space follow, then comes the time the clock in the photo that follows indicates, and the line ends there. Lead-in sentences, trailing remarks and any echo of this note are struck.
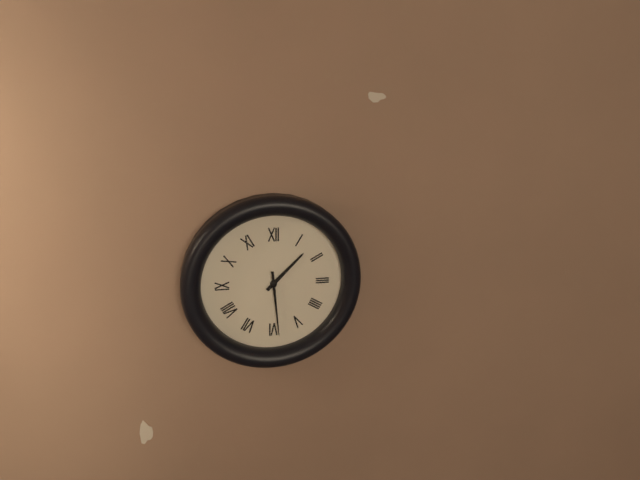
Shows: 1:29
